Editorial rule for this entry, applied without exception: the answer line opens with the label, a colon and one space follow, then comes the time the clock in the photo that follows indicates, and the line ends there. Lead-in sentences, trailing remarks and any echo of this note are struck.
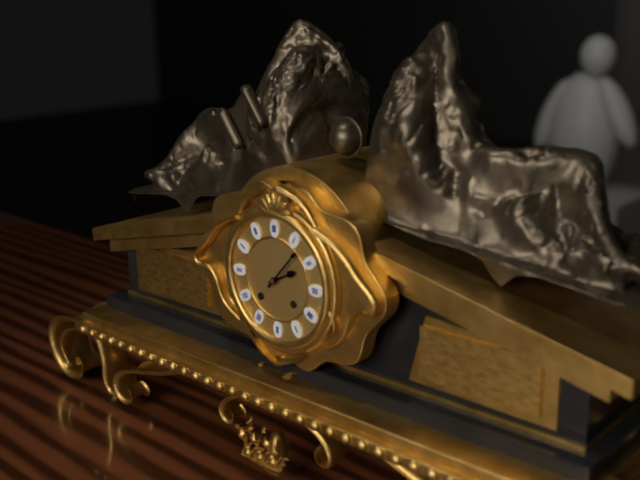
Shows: 2:07
